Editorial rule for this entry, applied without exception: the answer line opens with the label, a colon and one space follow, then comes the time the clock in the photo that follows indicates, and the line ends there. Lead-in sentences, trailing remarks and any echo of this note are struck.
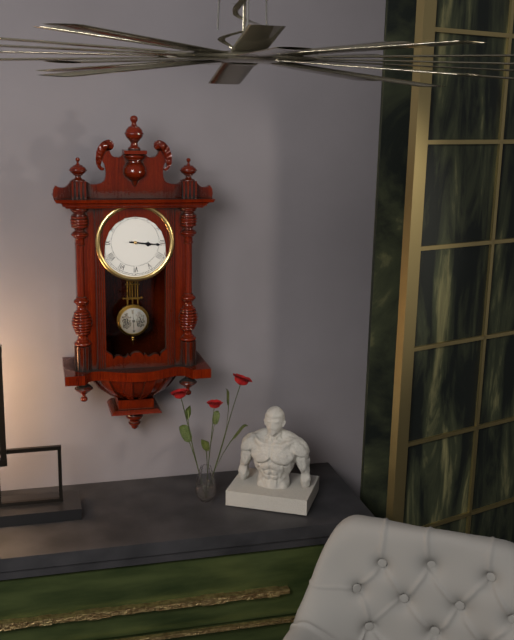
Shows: 3:16
